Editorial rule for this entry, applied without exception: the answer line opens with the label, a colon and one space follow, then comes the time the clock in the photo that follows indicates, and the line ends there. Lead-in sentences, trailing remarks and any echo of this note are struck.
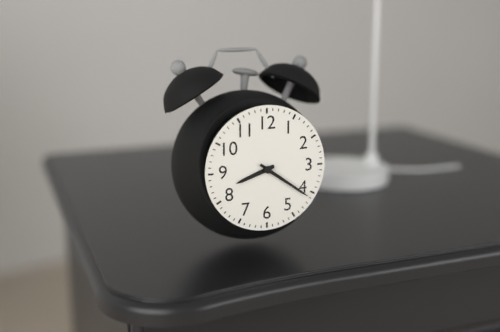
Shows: 8:21
